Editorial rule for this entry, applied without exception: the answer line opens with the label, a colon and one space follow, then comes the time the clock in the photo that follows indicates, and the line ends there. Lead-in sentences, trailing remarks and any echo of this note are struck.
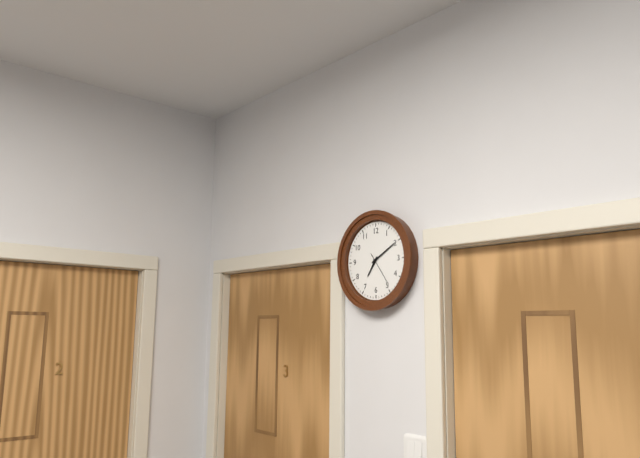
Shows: 7:10
